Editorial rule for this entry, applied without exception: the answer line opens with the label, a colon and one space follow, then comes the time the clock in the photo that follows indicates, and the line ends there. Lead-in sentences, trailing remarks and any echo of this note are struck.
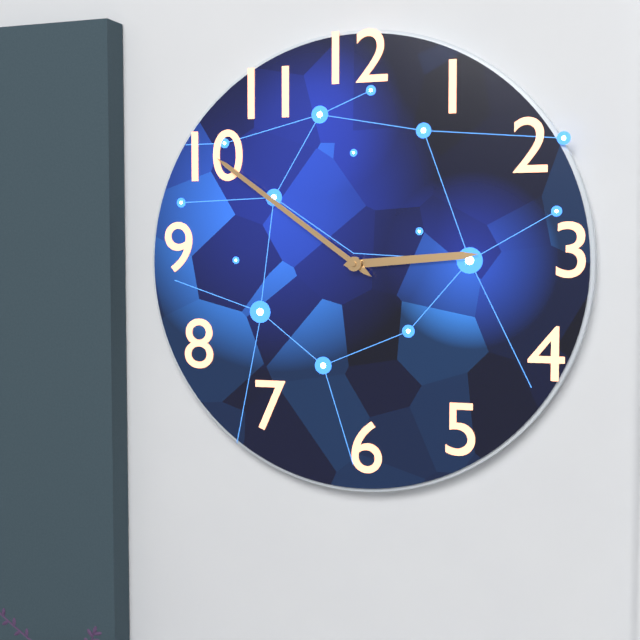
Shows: 2:51
